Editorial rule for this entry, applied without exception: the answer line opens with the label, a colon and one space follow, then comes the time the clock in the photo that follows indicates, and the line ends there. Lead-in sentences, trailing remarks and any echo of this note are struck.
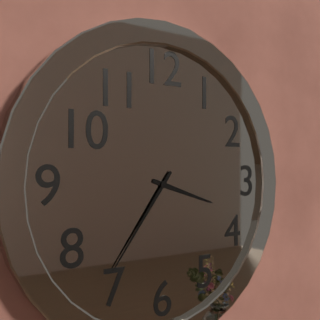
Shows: 3:36
